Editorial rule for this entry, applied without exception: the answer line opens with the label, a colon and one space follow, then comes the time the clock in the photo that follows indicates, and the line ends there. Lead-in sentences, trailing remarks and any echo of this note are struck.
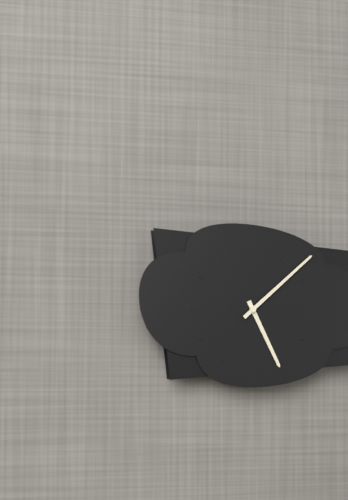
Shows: 5:08
